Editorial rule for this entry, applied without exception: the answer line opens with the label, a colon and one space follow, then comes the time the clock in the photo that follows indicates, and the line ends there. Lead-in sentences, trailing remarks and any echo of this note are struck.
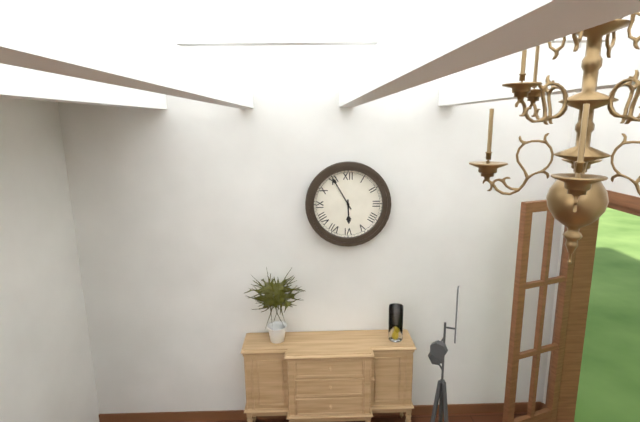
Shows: 5:55
